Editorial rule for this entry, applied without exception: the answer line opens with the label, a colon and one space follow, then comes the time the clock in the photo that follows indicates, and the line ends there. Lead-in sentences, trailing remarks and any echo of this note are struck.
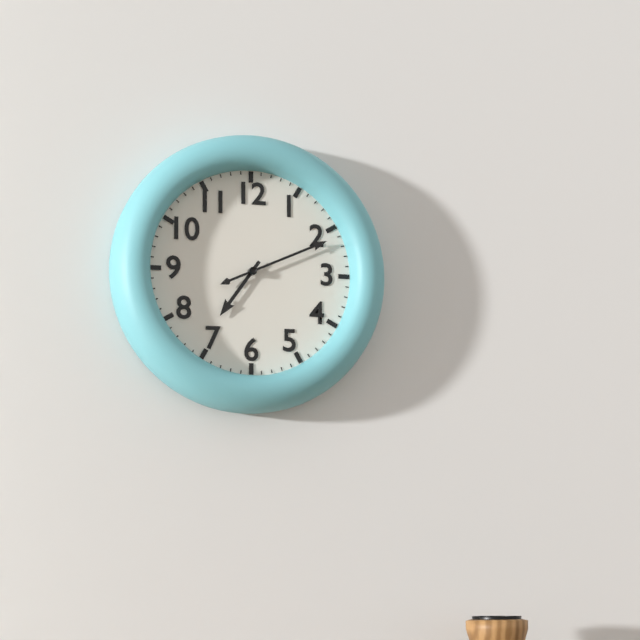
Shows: 7:11
